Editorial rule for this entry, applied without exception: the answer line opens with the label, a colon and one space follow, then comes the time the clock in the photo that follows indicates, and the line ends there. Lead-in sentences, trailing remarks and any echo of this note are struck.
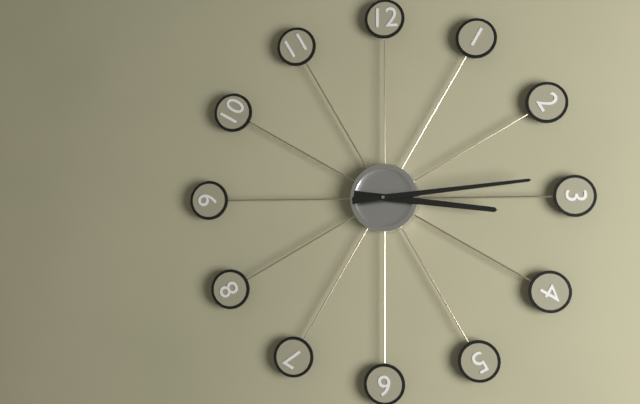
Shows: 3:14
